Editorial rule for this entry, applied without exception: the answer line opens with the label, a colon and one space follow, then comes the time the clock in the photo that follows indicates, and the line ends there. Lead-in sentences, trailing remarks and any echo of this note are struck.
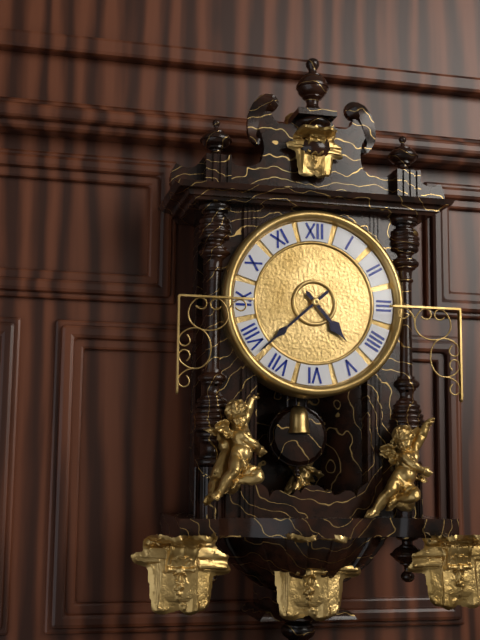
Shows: 4:38
